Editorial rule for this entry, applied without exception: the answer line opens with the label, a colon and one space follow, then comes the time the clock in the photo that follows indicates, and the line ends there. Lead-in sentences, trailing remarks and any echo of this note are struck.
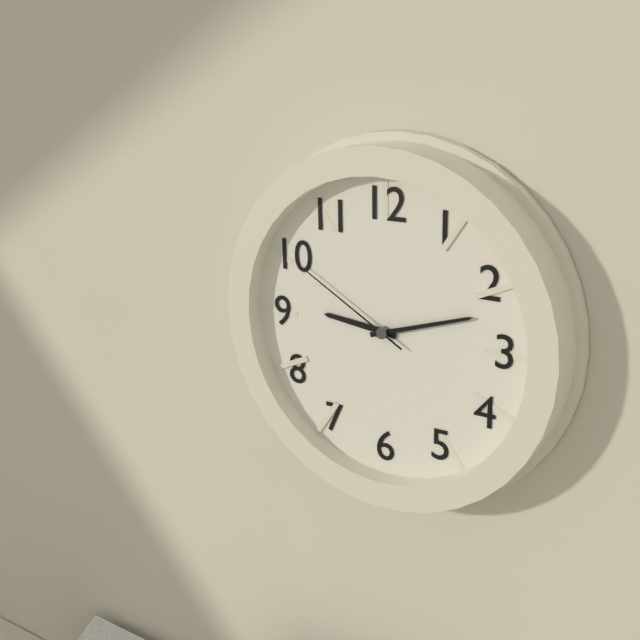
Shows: 9:12:50
